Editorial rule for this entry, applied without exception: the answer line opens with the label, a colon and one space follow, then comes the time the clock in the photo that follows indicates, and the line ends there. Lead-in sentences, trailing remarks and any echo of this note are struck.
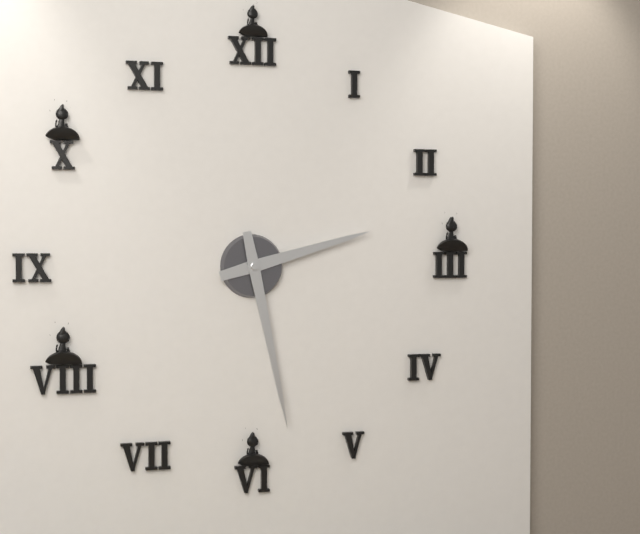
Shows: 2:28
